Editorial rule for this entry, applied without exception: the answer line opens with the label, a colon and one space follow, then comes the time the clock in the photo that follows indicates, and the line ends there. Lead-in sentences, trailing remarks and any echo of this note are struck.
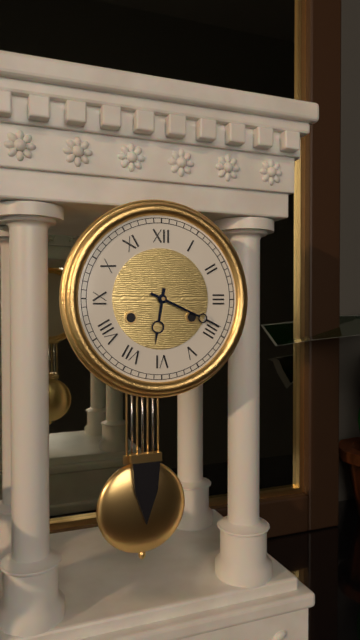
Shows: 6:19
